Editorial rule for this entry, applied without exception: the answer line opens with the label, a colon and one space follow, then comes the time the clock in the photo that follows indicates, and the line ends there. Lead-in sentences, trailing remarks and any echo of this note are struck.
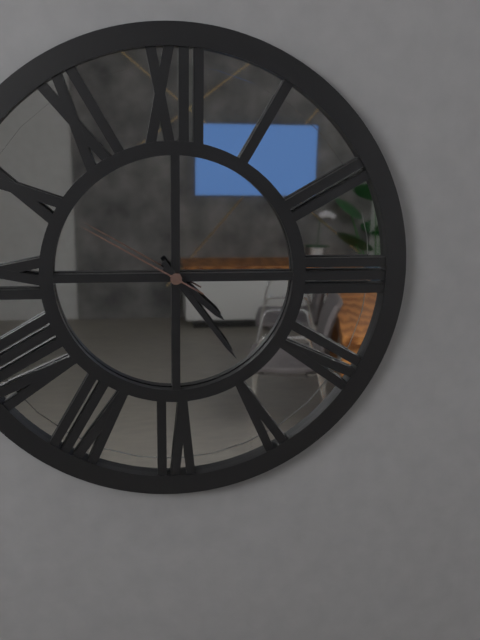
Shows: 4:24:50
